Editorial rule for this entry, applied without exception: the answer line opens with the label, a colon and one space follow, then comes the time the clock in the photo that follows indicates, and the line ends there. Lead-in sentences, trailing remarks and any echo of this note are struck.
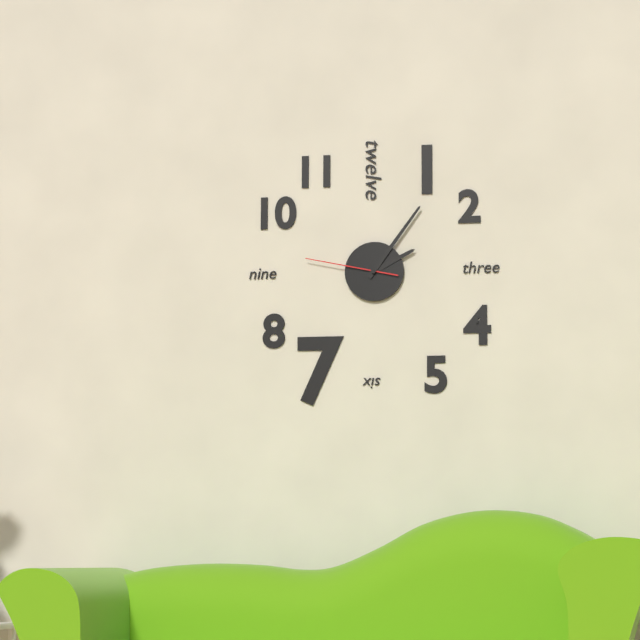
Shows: 2:06:47
